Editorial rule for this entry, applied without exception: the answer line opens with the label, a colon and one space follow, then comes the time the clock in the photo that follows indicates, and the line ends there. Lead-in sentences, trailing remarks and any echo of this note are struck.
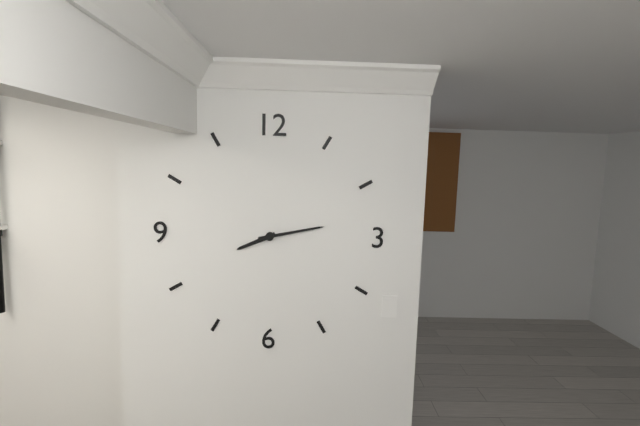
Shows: 8:13
